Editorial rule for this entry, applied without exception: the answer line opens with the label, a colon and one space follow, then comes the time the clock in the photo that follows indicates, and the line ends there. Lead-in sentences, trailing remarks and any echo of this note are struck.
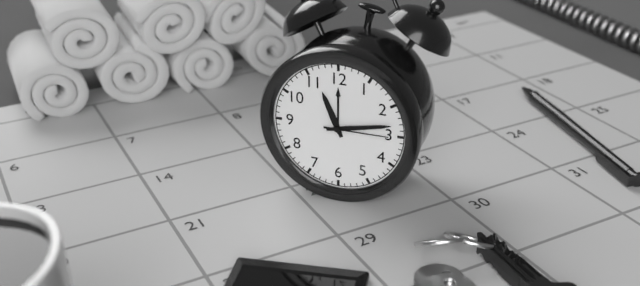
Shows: 11:13:15
